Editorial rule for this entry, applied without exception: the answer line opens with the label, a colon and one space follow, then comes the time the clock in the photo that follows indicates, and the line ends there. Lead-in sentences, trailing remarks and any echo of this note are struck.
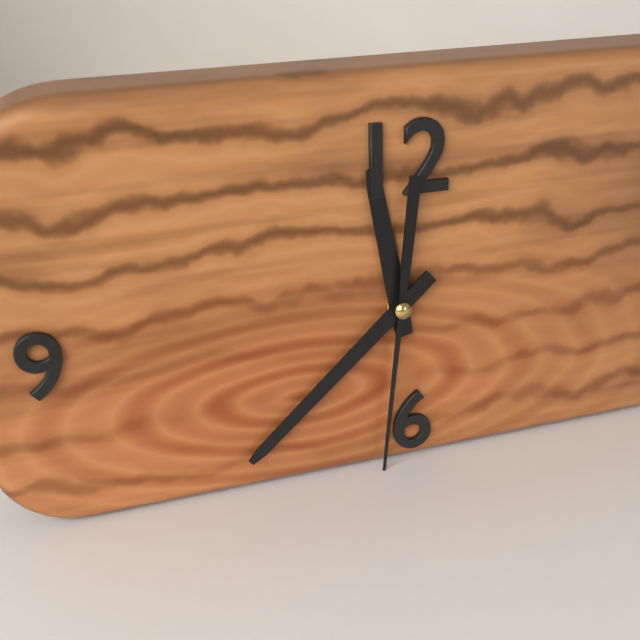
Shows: 11:38:31
